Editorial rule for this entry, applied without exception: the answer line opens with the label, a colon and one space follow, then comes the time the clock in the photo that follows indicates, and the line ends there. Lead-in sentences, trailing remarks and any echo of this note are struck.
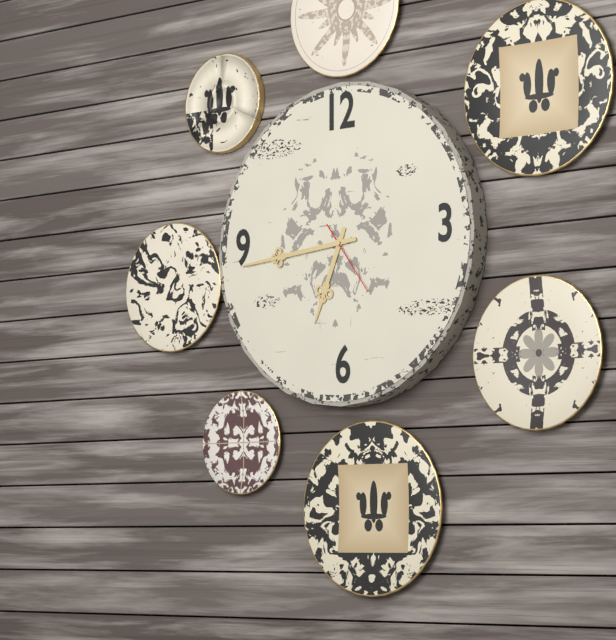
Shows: 6:44:24
